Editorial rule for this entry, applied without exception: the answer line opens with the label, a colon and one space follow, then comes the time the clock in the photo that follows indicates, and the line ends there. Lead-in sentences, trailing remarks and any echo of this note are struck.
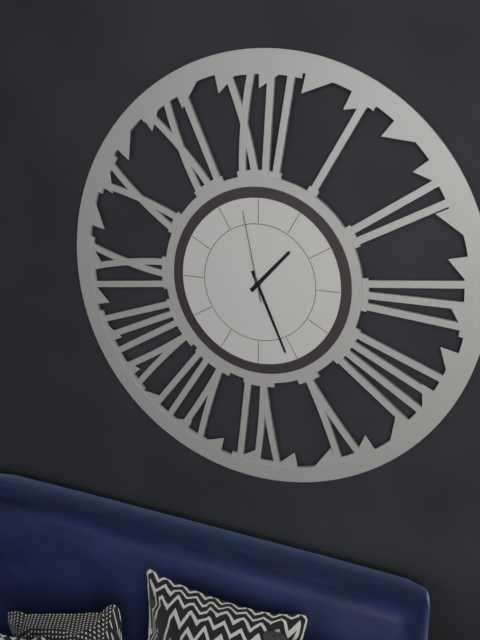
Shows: 1:26:58
